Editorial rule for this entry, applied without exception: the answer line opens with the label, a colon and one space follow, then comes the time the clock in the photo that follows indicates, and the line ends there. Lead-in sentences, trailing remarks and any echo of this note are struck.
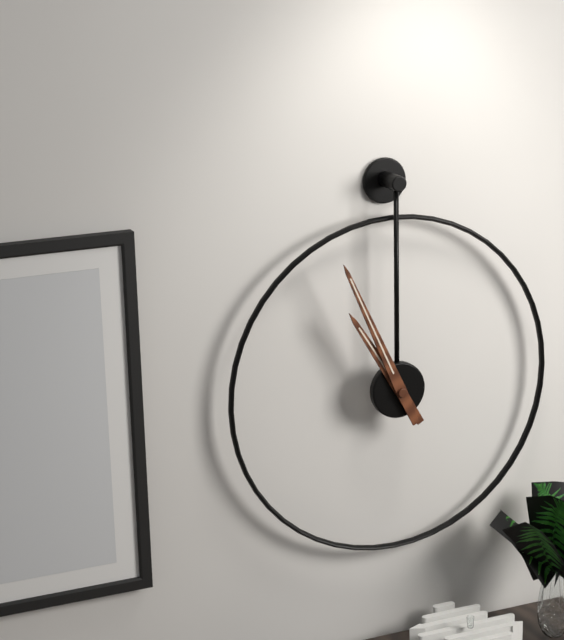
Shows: 10:56
